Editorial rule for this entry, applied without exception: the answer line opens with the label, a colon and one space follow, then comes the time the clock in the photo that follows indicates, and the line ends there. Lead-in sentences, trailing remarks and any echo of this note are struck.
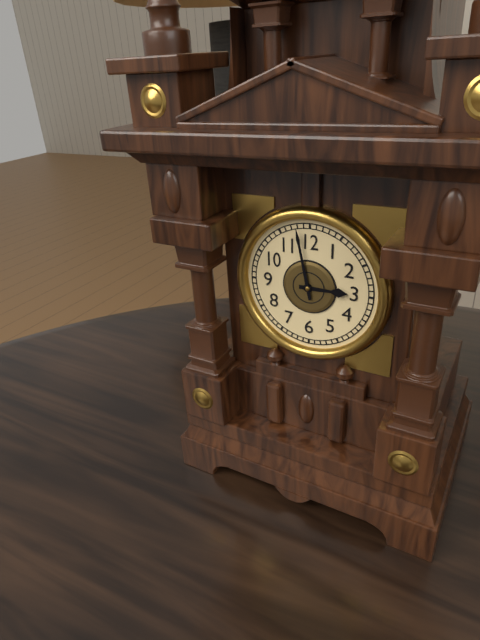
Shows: 2:58
